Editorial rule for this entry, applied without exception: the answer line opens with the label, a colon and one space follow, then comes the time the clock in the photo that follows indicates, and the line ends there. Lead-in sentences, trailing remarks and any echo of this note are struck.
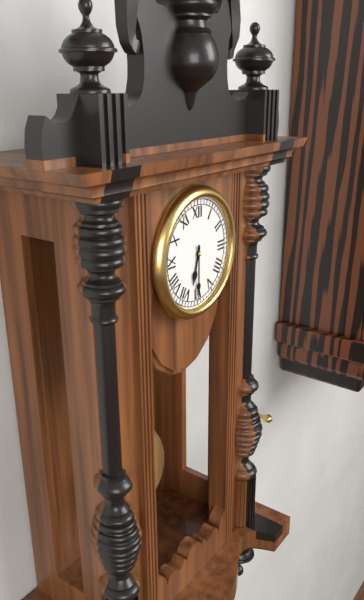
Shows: 6:30
